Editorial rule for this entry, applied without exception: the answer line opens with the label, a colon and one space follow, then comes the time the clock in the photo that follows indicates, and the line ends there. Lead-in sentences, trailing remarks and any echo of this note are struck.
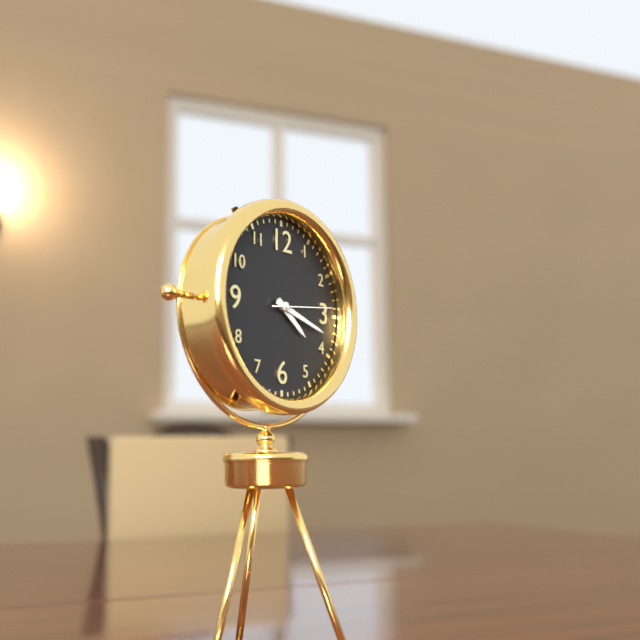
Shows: 4:18:14
